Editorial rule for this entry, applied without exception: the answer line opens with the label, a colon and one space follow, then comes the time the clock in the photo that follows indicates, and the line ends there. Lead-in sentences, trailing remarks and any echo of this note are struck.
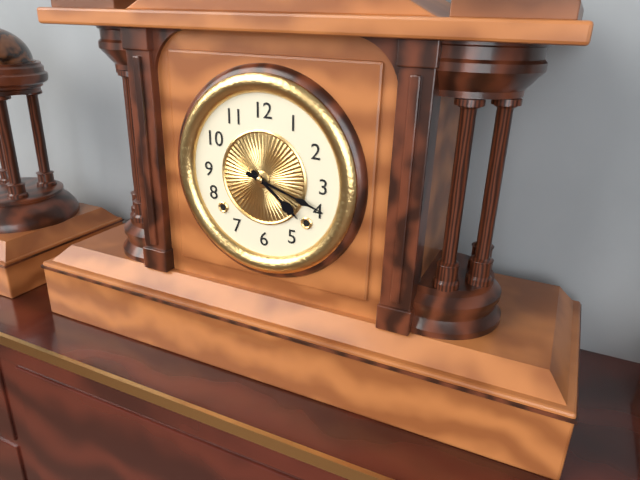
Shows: 4:18
